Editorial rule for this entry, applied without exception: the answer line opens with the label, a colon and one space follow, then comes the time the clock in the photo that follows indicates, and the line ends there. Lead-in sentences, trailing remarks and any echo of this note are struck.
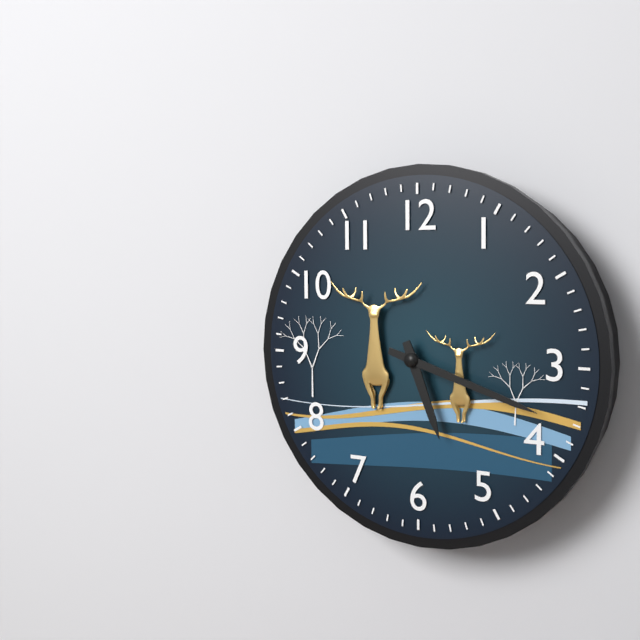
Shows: 5:18
